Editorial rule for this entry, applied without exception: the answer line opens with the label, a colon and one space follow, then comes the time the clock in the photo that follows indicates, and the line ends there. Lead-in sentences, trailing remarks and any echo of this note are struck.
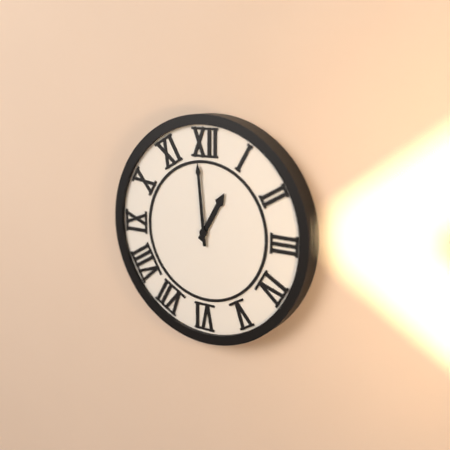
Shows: 12:59
